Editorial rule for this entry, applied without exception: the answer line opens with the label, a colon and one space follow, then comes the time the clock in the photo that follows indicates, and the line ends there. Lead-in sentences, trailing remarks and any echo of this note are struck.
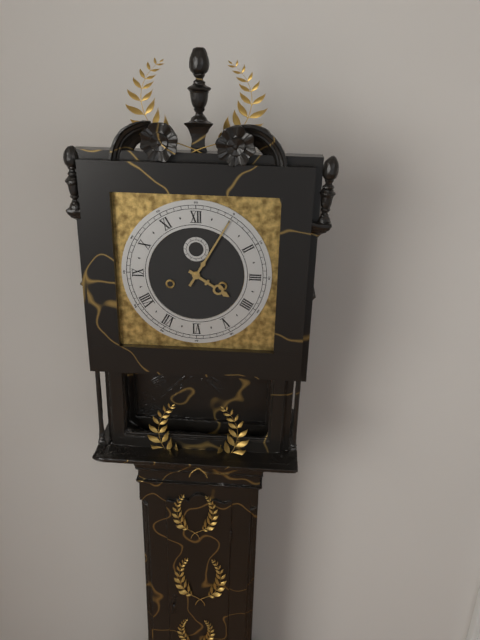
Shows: 4:05
